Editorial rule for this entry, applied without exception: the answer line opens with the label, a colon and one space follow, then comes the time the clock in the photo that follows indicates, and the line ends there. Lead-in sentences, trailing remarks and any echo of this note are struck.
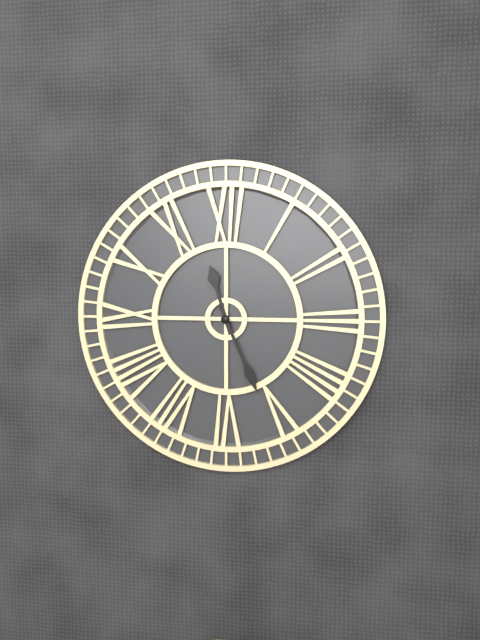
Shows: 11:26
